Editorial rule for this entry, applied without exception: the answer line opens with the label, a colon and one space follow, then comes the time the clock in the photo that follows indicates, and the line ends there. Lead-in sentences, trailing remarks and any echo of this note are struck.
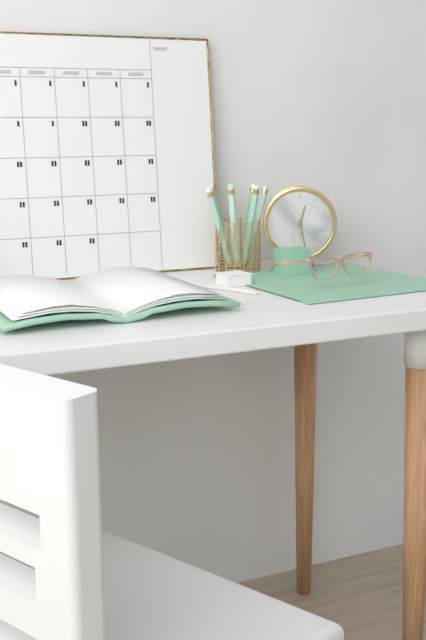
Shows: 12:28
